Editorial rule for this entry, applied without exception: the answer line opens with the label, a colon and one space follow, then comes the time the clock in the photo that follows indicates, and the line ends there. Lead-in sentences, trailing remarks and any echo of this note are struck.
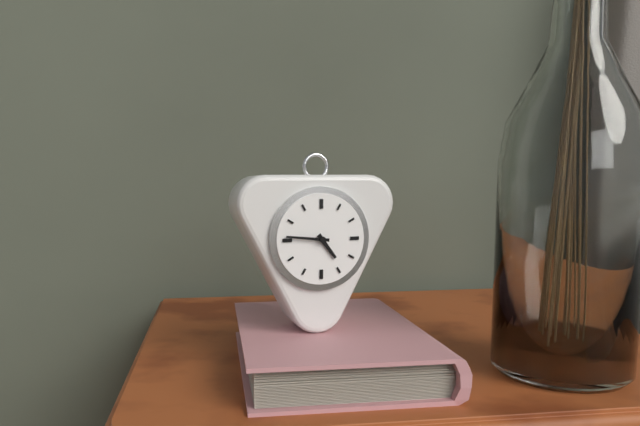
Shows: 4:46
